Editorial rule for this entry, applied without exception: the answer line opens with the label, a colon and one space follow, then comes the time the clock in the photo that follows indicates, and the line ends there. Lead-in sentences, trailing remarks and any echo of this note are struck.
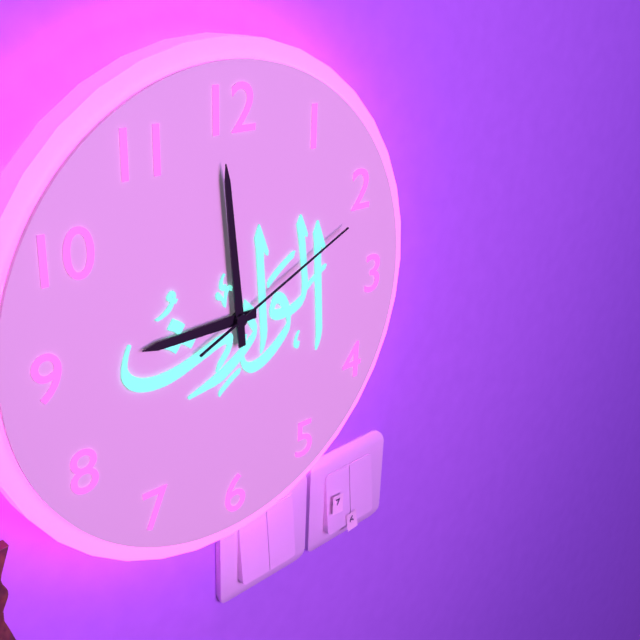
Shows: 8:59:11
